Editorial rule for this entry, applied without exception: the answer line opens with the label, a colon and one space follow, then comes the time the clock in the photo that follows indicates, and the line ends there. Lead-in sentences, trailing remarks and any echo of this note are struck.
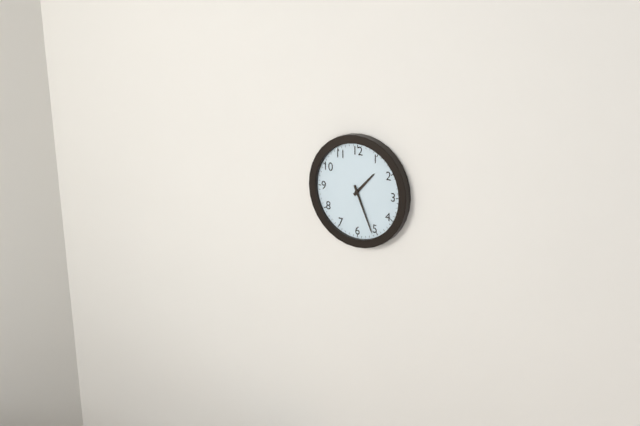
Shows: 1:26
